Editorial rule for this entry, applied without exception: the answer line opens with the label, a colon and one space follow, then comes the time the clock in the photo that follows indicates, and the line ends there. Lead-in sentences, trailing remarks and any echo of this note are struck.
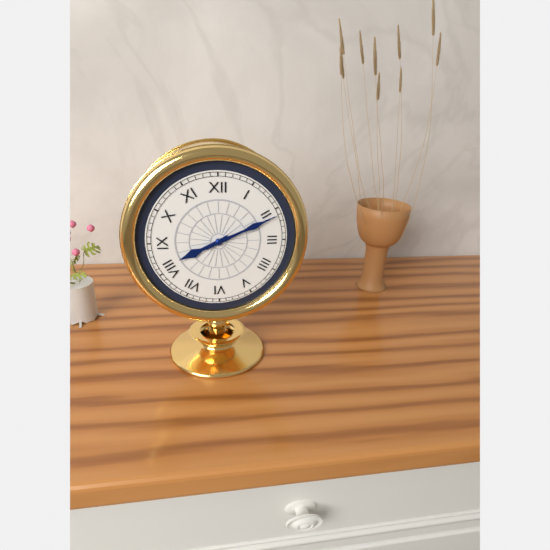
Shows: 8:11
